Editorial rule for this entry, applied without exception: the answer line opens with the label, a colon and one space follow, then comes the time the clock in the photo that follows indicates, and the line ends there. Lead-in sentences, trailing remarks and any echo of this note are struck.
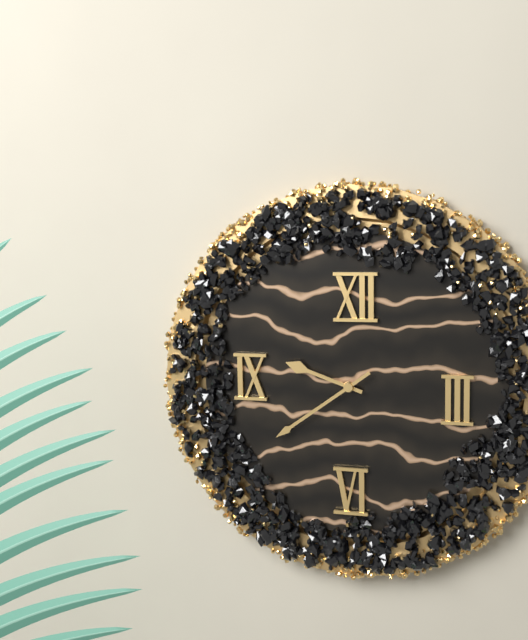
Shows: 9:39
